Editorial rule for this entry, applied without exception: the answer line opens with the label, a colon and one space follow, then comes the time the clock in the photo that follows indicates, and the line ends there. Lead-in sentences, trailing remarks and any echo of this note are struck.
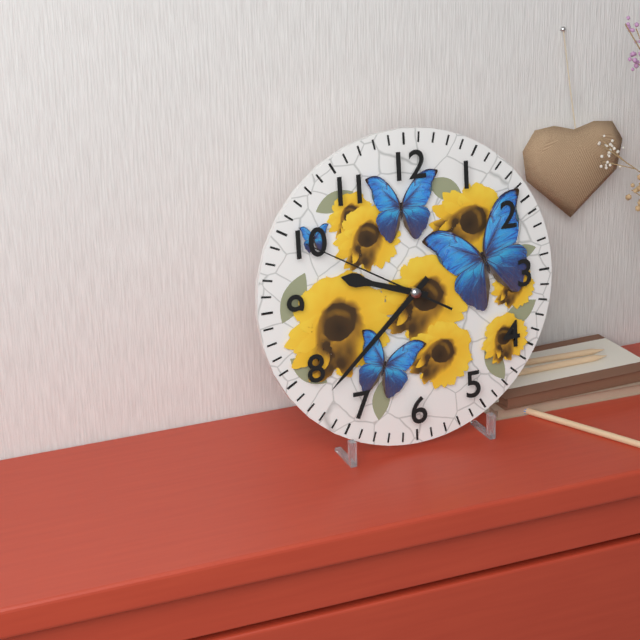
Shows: 9:38:50
